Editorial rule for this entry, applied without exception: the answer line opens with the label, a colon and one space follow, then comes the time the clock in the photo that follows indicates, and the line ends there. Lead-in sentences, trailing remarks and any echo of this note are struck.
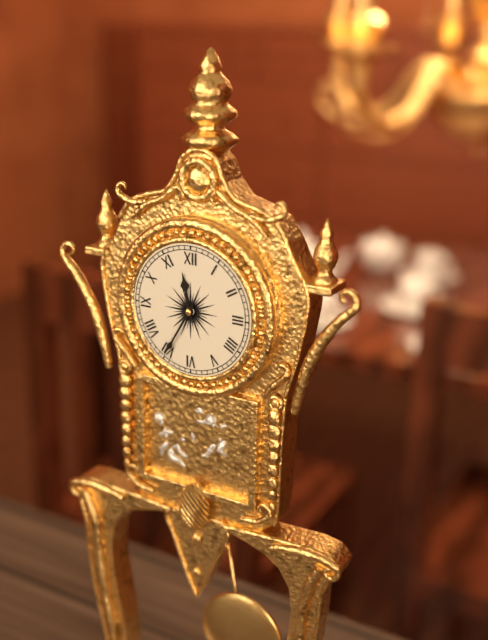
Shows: 11:35
